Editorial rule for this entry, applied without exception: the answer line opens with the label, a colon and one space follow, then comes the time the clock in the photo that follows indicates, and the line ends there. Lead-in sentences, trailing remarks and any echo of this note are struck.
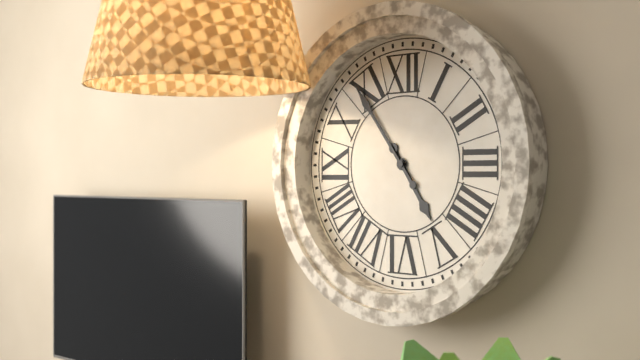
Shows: 4:54
